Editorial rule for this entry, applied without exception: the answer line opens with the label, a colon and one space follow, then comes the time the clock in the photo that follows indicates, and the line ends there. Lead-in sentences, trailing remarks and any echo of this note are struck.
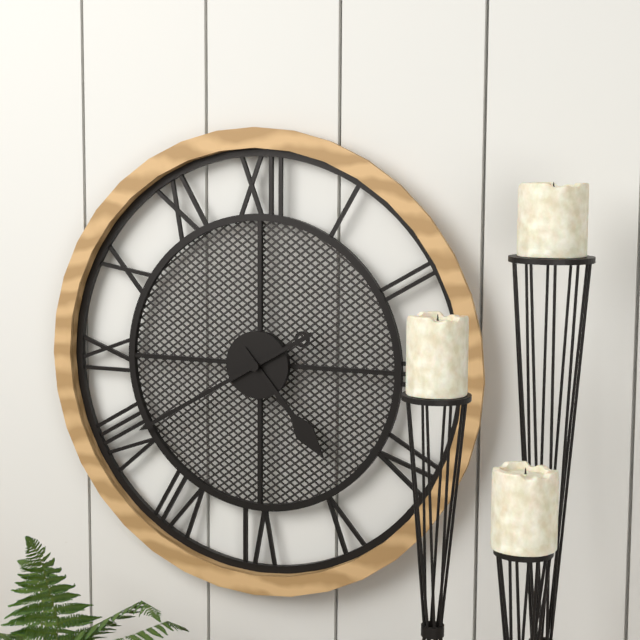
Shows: 4:40
